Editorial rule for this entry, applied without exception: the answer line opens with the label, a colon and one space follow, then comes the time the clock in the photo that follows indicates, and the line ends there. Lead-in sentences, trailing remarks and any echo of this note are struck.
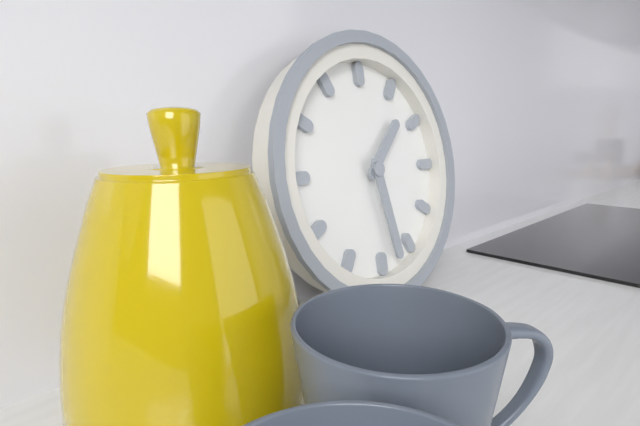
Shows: 1:28
